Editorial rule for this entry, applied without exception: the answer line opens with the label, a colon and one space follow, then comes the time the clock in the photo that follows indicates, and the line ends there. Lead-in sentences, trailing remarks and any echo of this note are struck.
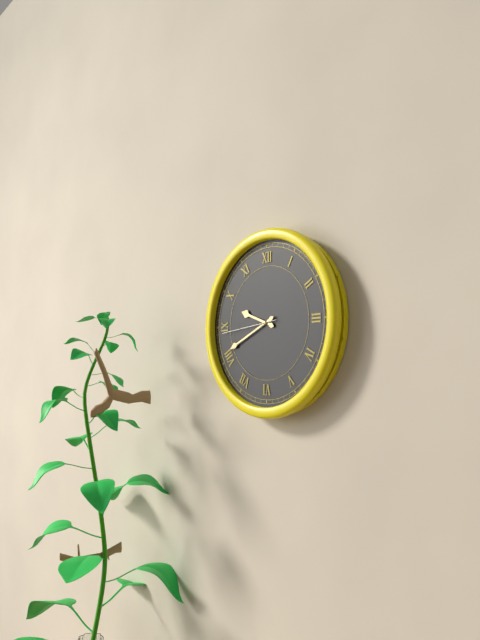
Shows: 9:41:44
